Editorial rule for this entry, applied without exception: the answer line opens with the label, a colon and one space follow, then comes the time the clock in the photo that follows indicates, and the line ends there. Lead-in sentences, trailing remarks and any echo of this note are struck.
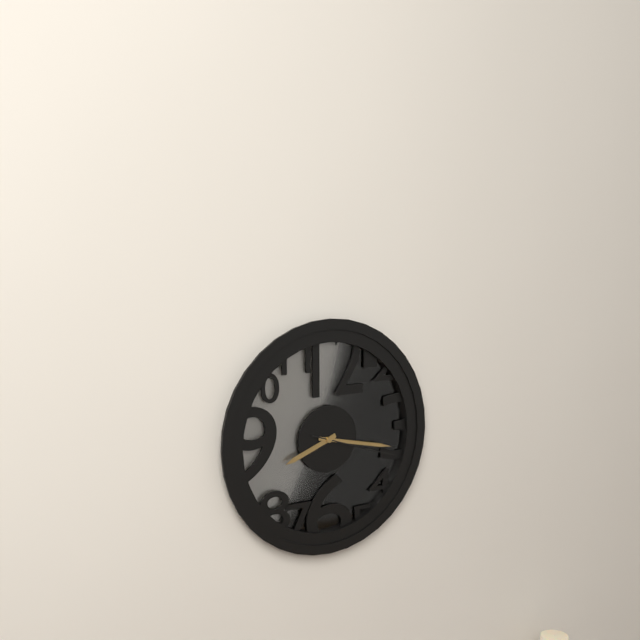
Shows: 8:17:18
